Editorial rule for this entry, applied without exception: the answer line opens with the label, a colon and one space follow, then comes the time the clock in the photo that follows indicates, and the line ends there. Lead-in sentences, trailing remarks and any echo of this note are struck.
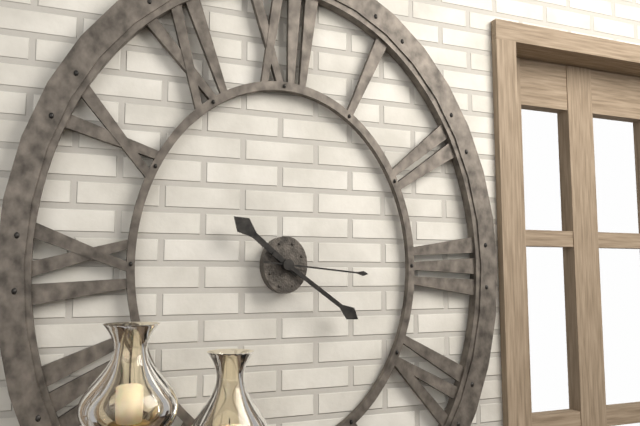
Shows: 10:21:16
